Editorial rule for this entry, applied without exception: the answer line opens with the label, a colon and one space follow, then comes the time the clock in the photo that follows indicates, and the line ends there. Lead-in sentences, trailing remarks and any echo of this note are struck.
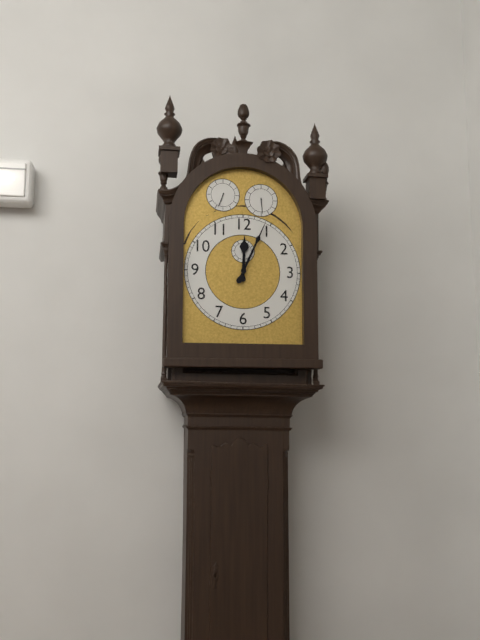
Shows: 12:04
